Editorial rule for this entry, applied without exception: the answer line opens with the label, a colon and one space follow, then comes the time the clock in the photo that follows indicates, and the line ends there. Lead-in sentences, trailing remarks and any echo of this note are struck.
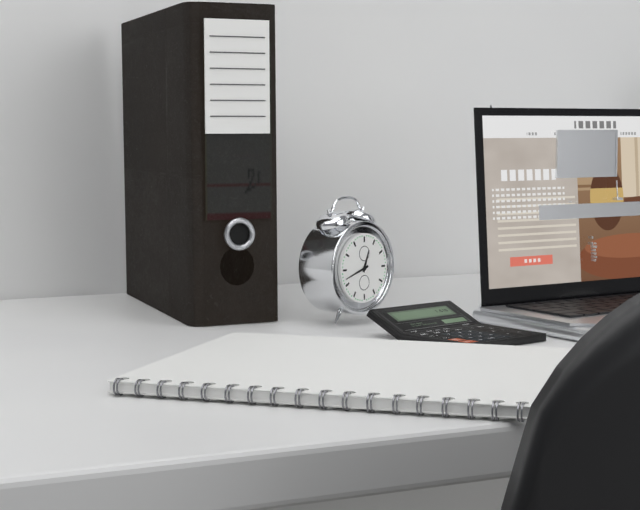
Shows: 12:42
